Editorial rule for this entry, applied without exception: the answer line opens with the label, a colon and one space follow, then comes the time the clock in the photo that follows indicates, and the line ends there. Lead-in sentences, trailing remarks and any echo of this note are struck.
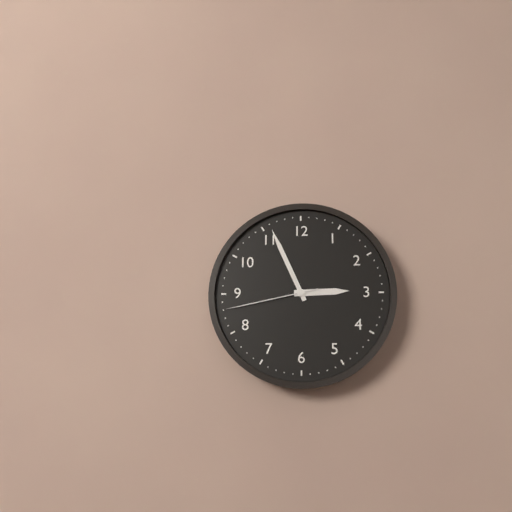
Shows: 2:56:43
